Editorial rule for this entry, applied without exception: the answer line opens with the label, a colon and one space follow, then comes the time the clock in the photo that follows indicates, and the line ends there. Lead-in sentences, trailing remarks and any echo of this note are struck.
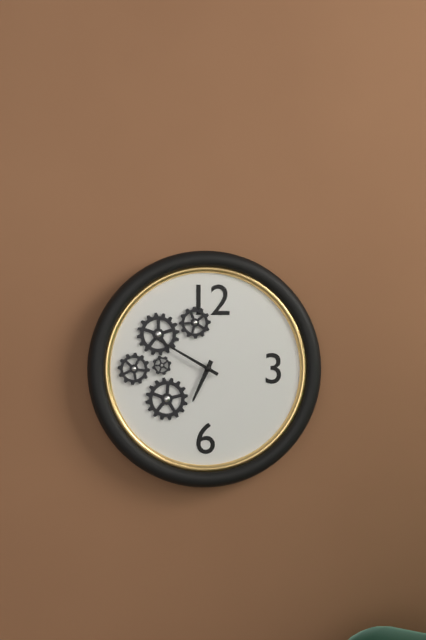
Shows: 6:50
